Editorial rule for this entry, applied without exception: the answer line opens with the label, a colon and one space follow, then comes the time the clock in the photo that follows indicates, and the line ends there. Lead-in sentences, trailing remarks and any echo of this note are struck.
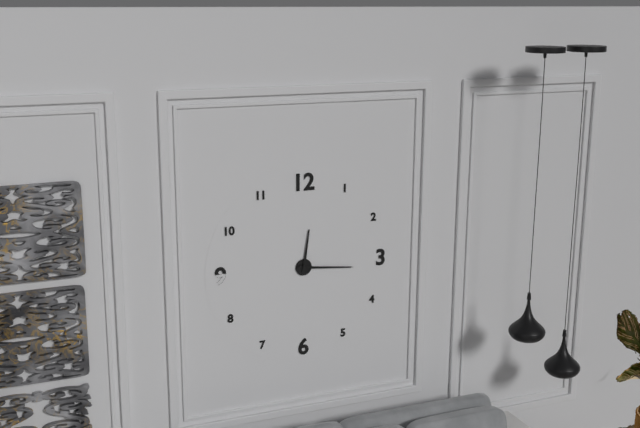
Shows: 12:16
